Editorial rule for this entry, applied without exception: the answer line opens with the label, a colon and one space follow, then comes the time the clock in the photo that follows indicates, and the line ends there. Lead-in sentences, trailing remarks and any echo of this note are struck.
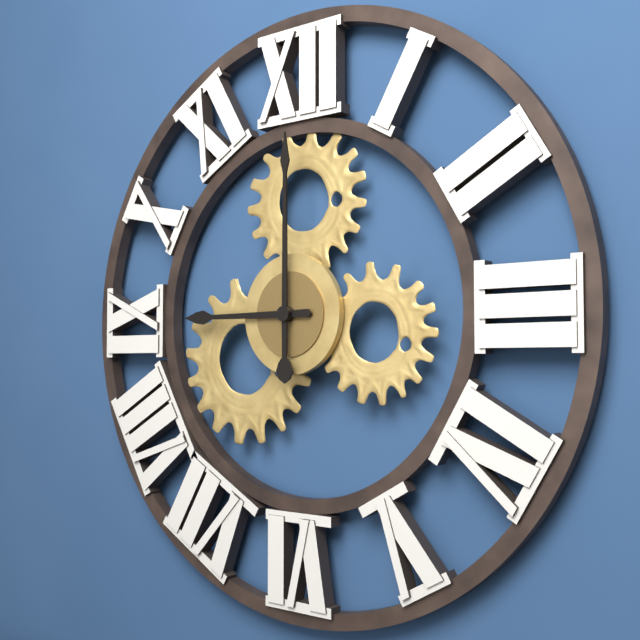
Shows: 9:00
